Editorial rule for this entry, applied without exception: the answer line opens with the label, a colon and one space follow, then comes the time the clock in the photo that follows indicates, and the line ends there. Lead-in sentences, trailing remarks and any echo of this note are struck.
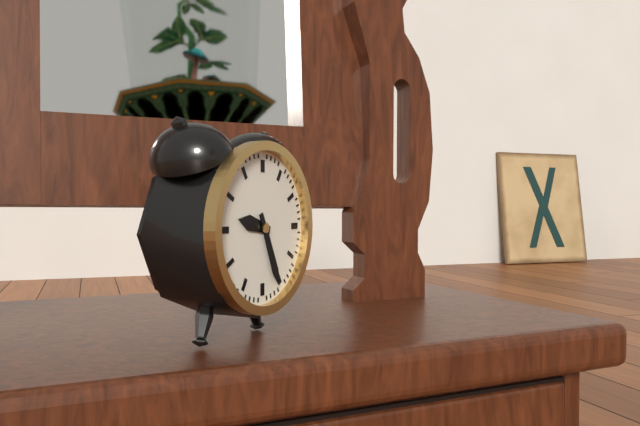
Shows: 9:26
